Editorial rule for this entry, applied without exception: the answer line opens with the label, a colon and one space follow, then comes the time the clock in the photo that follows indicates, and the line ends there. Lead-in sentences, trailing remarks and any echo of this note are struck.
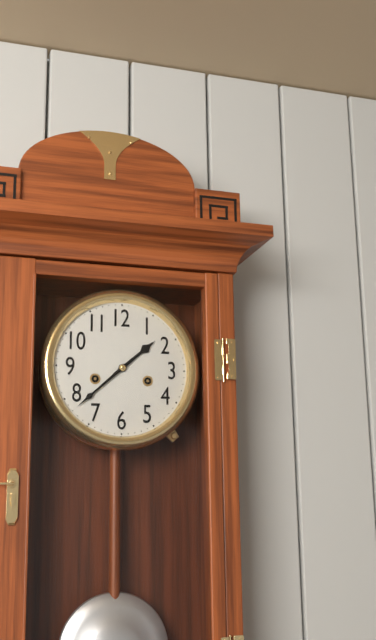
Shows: 1:38
